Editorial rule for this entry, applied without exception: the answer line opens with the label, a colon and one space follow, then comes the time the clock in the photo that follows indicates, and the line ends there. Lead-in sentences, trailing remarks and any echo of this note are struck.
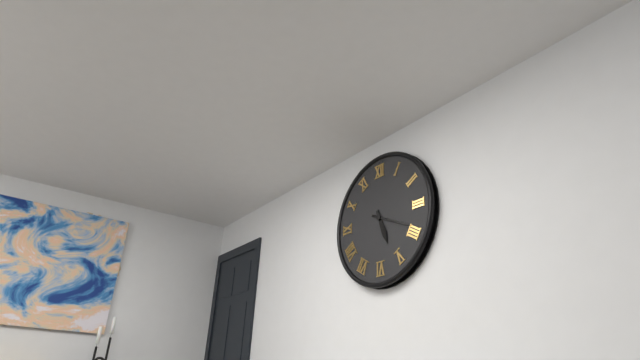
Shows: 5:19
